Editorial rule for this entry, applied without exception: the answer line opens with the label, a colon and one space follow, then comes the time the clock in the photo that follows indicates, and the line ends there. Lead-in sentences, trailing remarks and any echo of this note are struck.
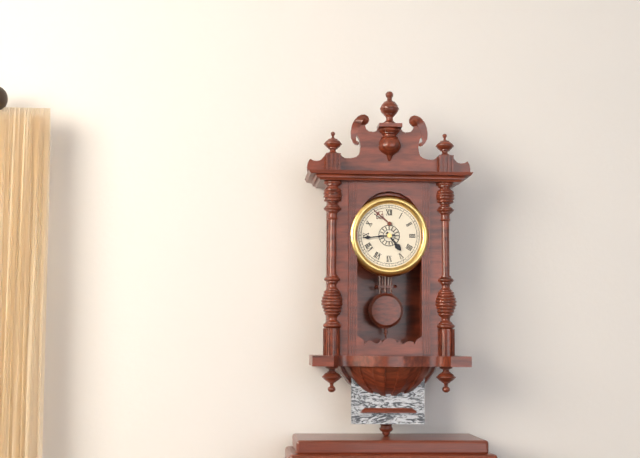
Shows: 4:44
